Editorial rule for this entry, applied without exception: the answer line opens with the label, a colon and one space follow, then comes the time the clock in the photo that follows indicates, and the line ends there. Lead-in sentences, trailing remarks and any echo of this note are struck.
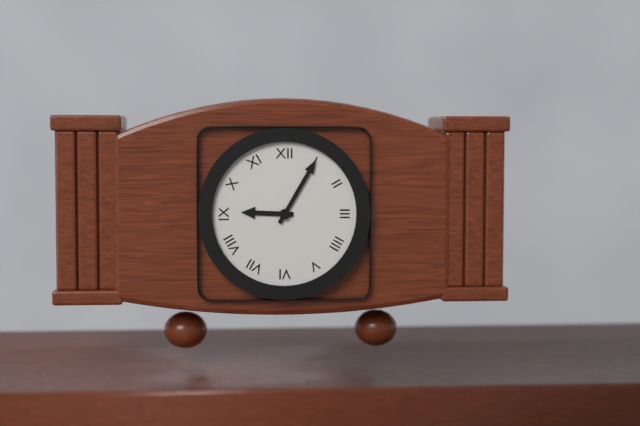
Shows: 9:05
